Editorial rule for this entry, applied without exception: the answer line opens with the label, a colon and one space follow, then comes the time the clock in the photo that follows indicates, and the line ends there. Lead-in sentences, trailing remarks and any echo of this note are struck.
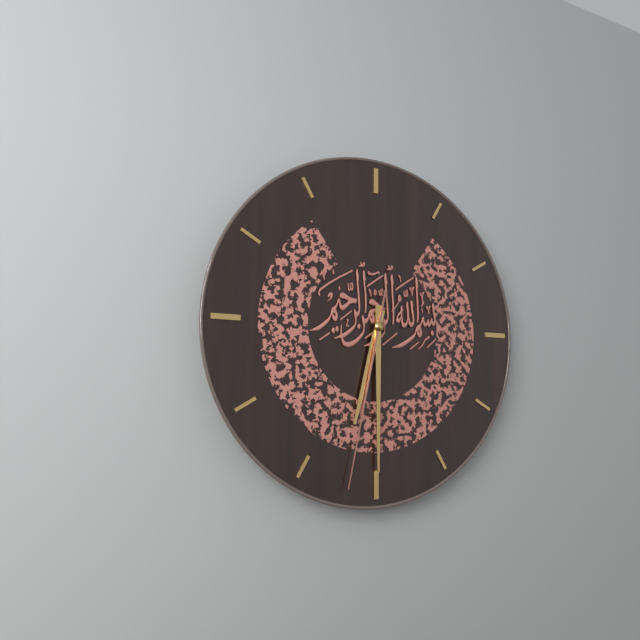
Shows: 6:30:32
